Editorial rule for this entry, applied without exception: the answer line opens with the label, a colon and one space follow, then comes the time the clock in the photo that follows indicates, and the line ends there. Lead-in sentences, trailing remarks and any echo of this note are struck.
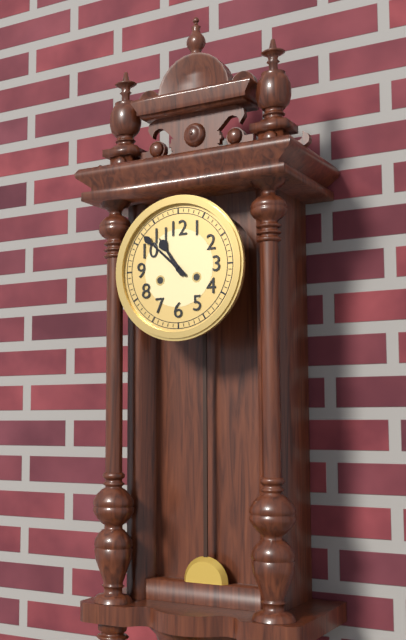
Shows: 10:52
